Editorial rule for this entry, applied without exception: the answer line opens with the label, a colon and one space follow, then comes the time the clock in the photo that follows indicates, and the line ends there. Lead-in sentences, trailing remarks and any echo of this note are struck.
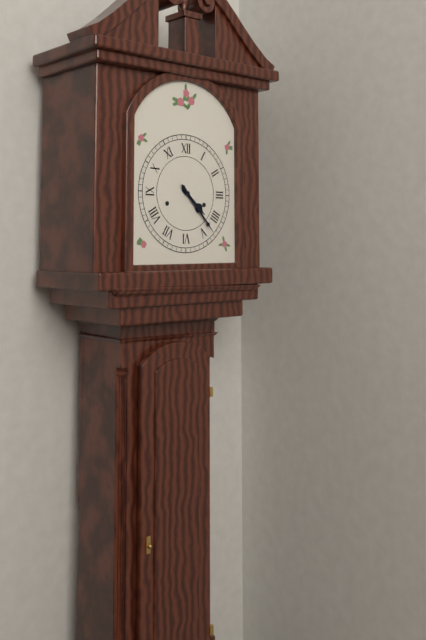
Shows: 4:23
